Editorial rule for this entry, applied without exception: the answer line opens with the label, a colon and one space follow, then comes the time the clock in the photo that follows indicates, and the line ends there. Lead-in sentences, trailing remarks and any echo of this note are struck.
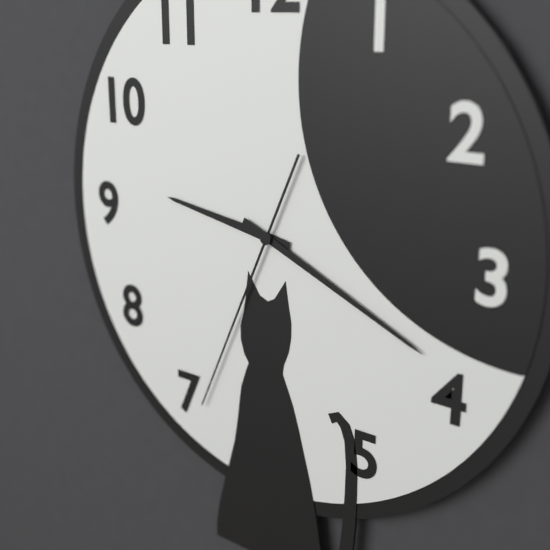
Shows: 9:19:34
